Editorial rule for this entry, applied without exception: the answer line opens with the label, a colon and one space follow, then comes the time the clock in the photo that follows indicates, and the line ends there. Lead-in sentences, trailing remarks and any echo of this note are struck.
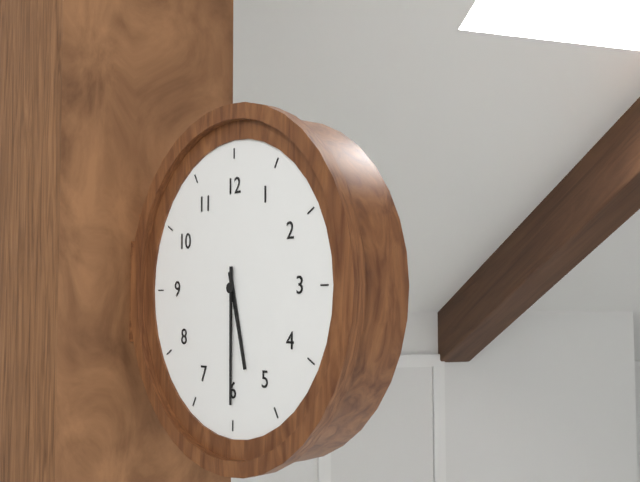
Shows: 5:30
